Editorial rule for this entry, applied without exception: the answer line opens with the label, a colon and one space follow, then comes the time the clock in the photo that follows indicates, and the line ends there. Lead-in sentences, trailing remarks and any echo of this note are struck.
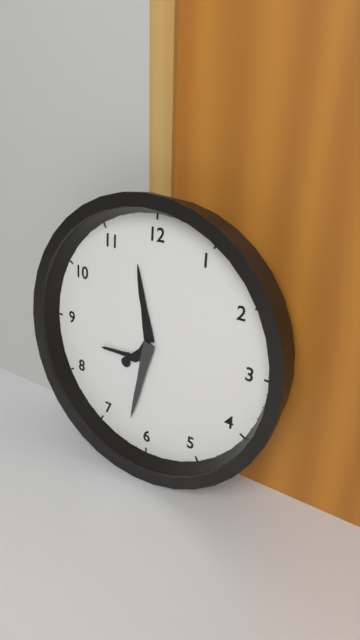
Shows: 11:32
